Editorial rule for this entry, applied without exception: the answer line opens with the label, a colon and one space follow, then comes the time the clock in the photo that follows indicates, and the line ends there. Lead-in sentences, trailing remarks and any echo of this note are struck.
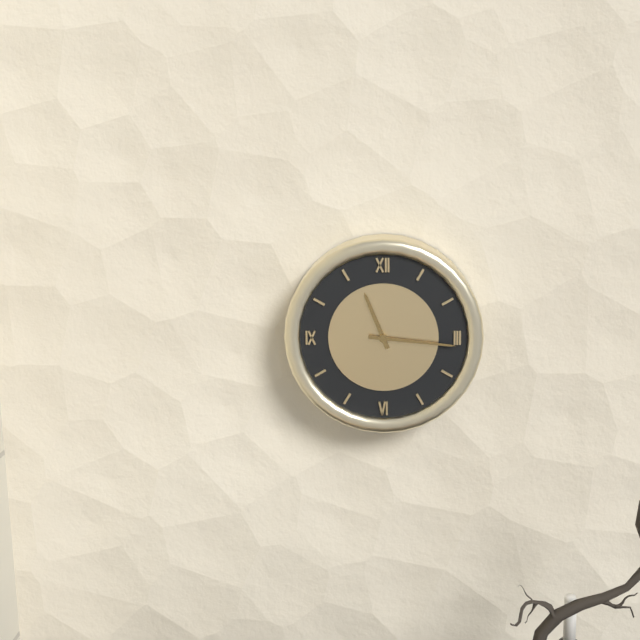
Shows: 11:16
